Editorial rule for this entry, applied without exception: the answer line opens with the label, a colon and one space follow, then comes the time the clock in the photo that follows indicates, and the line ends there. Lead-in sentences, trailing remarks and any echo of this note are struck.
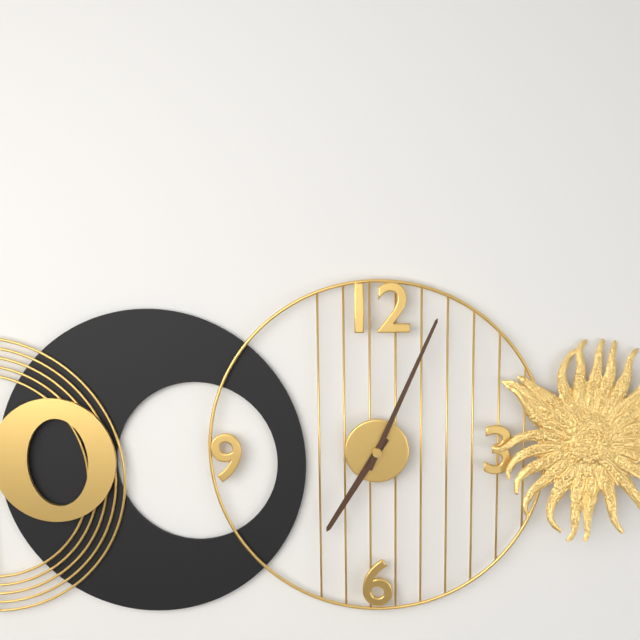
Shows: 7:04
